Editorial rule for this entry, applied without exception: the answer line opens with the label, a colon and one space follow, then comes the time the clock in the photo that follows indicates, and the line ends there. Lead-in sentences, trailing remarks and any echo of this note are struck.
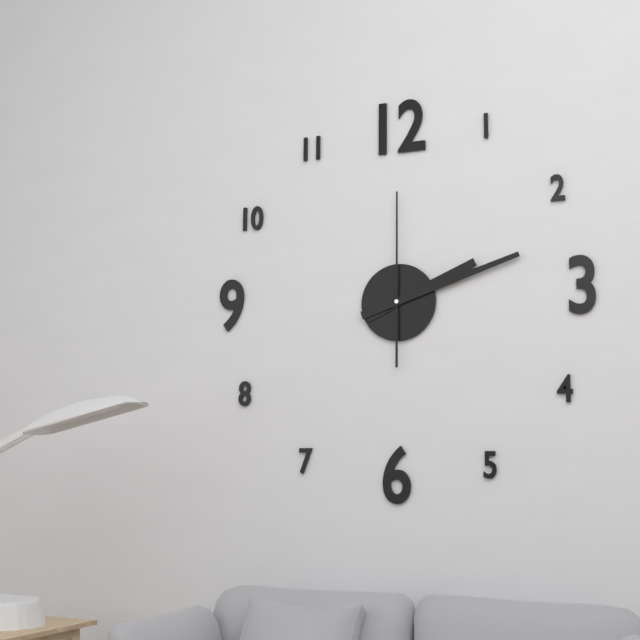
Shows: 2:12:00
